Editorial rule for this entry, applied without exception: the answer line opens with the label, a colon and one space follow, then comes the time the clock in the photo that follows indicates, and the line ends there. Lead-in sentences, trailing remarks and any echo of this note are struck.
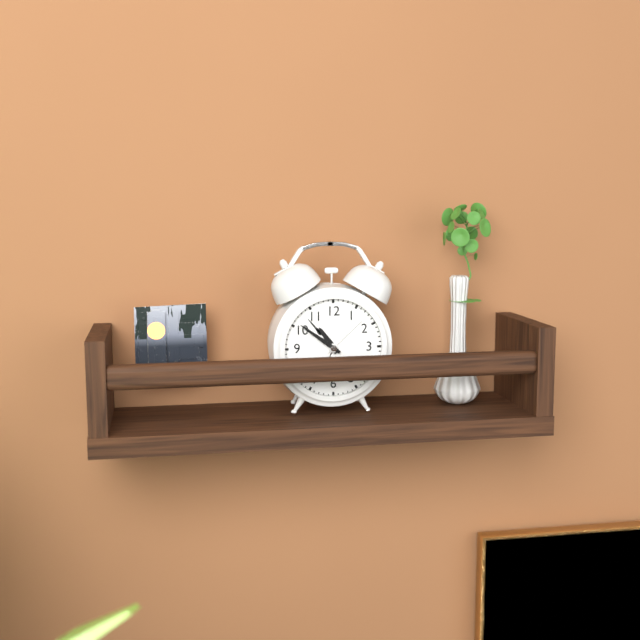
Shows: 10:51
